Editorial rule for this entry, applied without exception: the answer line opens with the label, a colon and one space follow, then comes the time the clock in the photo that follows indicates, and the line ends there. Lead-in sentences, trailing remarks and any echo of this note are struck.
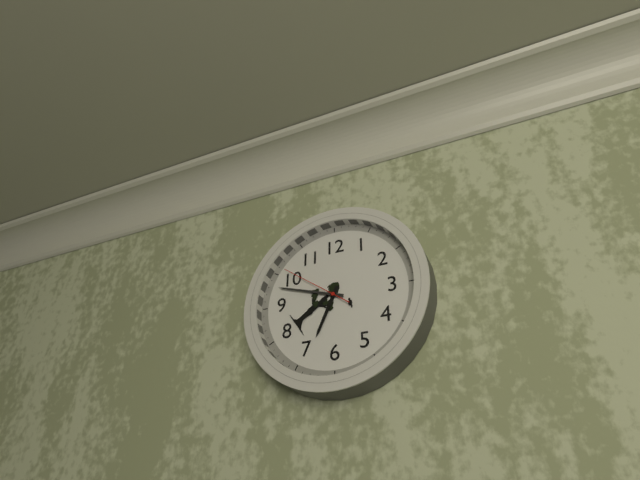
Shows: 6:48:51
